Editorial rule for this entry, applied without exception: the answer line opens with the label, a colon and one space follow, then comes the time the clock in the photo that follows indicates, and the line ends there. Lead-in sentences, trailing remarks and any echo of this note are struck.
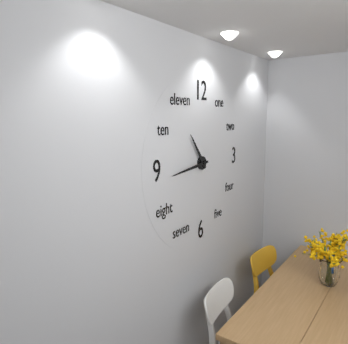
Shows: 10:44
